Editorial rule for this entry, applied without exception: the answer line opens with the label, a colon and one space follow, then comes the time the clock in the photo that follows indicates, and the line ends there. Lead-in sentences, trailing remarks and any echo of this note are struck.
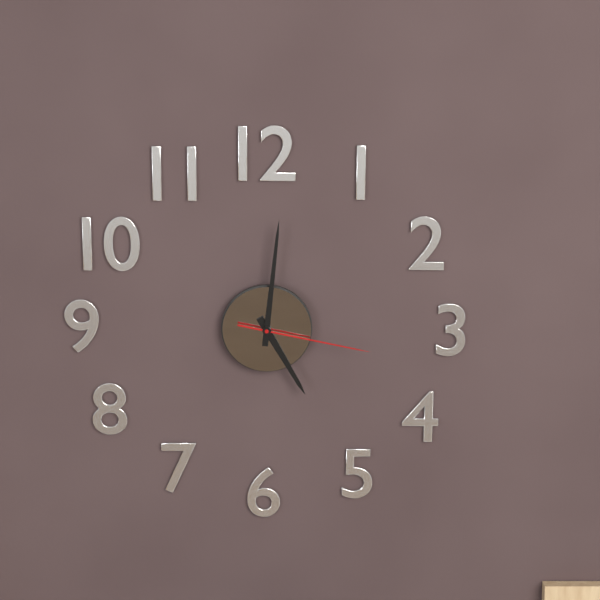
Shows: 5:01:17
